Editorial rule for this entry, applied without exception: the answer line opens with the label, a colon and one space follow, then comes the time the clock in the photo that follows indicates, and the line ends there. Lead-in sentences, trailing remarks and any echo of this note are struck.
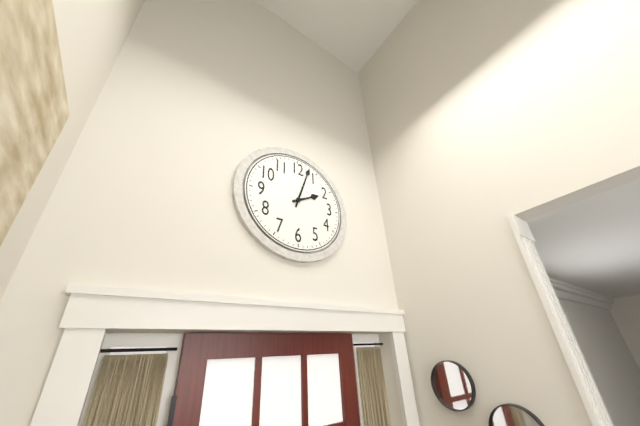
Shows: 2:03
